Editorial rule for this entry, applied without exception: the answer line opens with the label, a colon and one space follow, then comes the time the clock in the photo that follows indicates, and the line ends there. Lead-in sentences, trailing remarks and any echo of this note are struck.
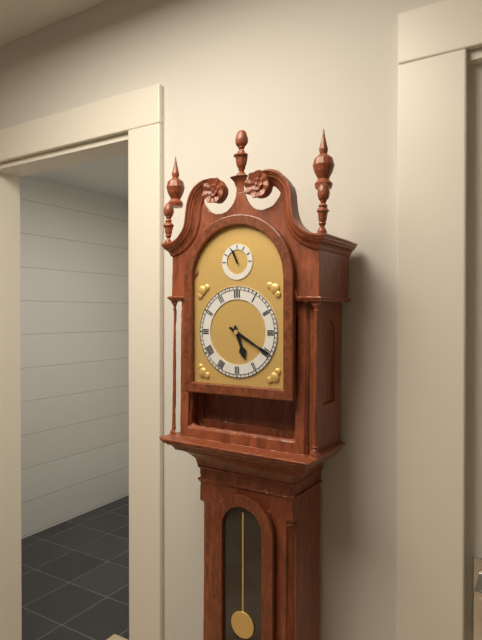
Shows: 5:20
